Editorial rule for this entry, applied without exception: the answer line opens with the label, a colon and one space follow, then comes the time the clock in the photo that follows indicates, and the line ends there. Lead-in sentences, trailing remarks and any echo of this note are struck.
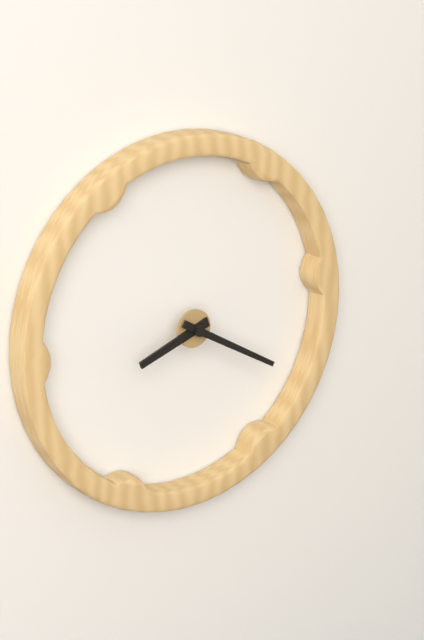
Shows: 8:20
